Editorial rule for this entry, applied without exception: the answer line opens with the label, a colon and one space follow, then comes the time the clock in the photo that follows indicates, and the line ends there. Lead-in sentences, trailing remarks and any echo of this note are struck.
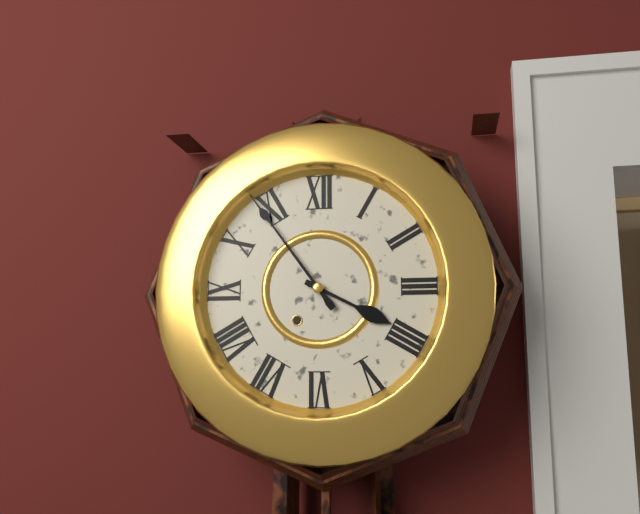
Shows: 3:54
